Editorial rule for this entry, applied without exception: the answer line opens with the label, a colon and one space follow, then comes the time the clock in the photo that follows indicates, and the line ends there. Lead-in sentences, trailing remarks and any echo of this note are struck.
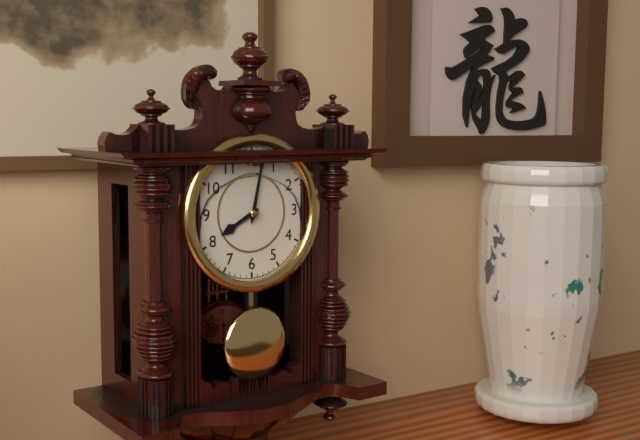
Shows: 8:02
